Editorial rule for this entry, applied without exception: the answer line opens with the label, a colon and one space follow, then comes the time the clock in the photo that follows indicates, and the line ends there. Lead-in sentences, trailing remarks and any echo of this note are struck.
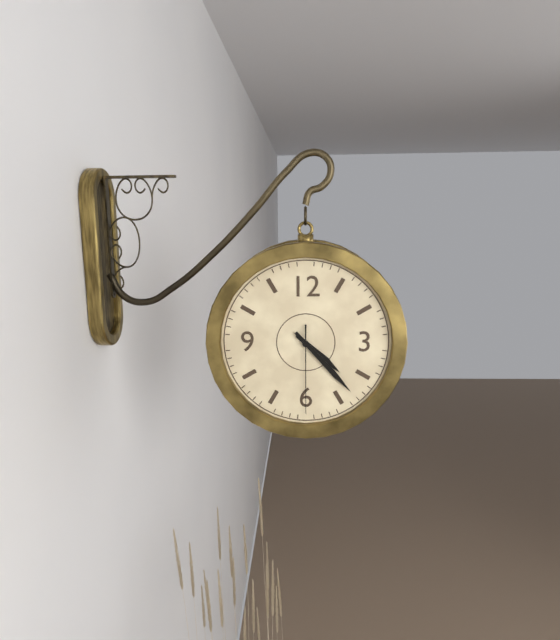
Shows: 4:23:30
